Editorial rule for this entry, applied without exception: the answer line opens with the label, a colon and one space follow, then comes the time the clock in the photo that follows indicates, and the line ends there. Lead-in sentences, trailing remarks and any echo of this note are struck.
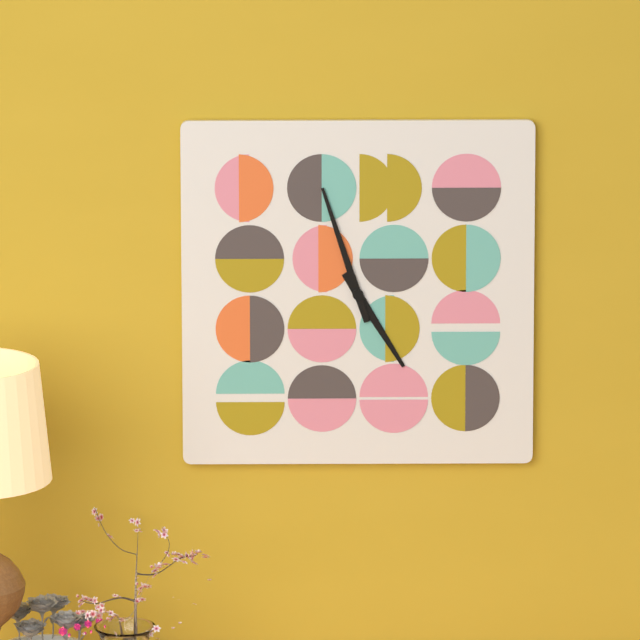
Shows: 4:57
